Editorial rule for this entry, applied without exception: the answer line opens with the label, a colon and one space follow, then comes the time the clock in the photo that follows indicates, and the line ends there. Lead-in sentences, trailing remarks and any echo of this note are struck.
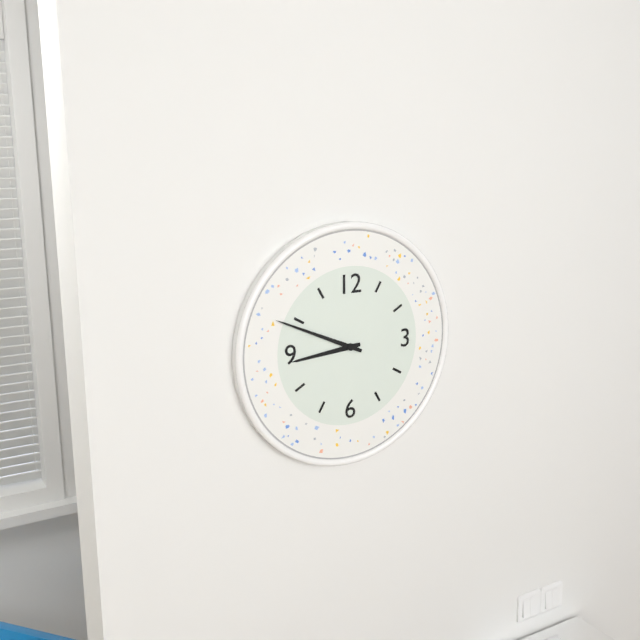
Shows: 8:49
